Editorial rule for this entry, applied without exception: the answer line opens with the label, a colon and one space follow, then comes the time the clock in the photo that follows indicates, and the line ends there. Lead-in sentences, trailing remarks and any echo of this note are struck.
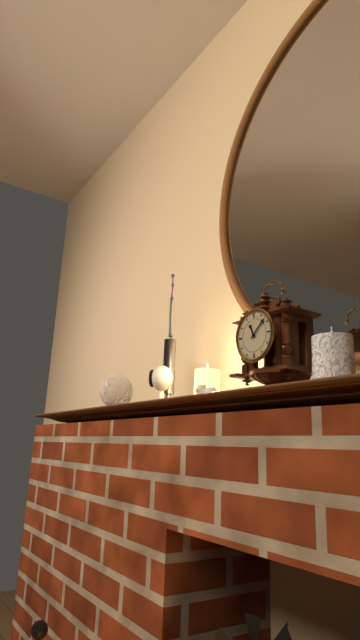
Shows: 11:08
